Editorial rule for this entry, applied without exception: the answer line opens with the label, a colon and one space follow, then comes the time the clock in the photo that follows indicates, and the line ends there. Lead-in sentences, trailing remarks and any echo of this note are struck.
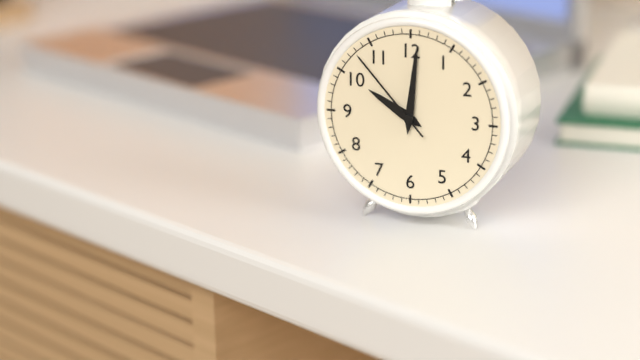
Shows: 10:01:53
